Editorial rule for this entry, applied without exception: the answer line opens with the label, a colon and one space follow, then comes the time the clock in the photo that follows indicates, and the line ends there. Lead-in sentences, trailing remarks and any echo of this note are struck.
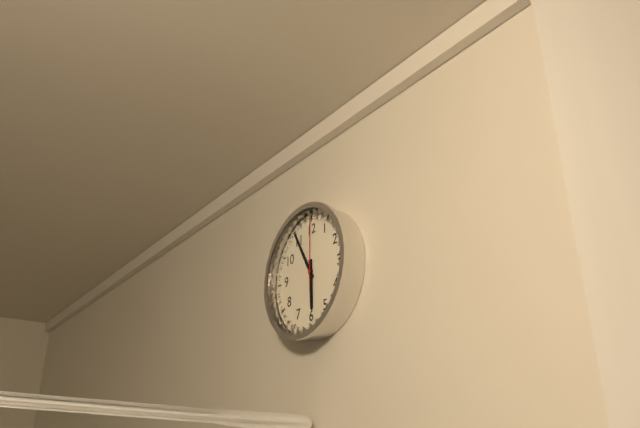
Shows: 5:55:00
